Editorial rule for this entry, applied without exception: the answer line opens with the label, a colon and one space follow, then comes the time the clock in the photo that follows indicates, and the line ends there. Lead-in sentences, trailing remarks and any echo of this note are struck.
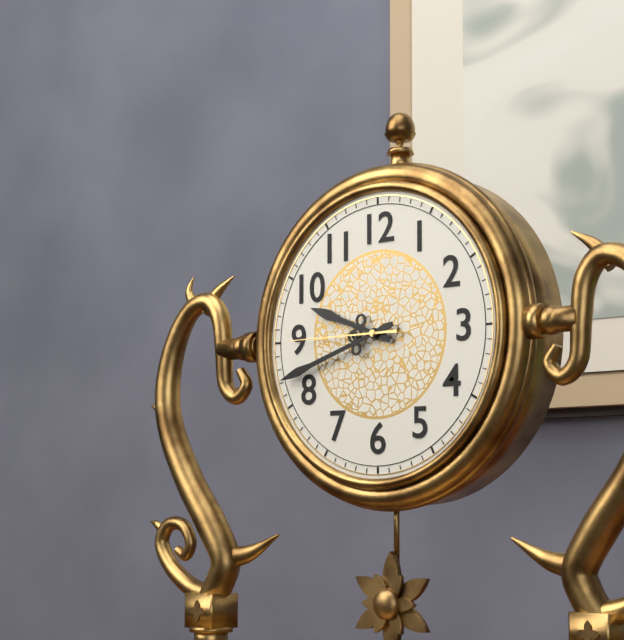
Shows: 9:42:45
